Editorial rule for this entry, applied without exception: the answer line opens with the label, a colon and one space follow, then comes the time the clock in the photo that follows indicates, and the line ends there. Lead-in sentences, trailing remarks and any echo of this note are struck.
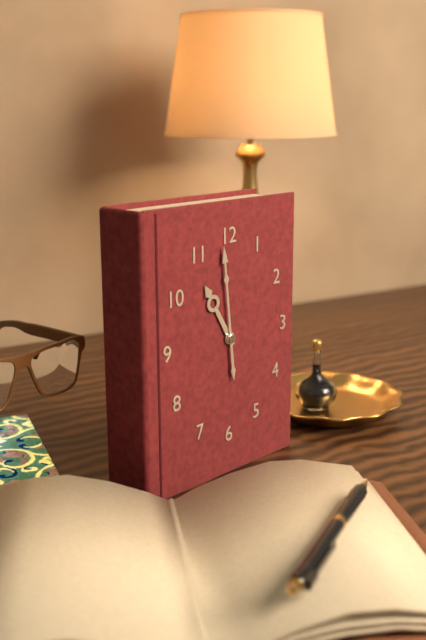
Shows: 10:59
